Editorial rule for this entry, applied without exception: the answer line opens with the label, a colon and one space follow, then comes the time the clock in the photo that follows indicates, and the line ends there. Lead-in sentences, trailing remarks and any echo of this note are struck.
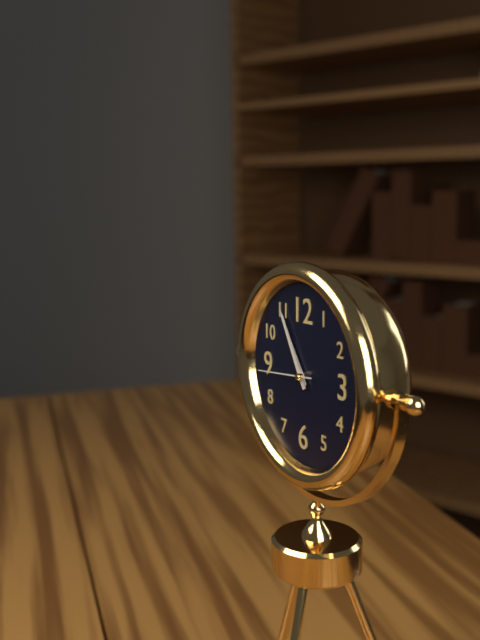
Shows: 10:55:44
